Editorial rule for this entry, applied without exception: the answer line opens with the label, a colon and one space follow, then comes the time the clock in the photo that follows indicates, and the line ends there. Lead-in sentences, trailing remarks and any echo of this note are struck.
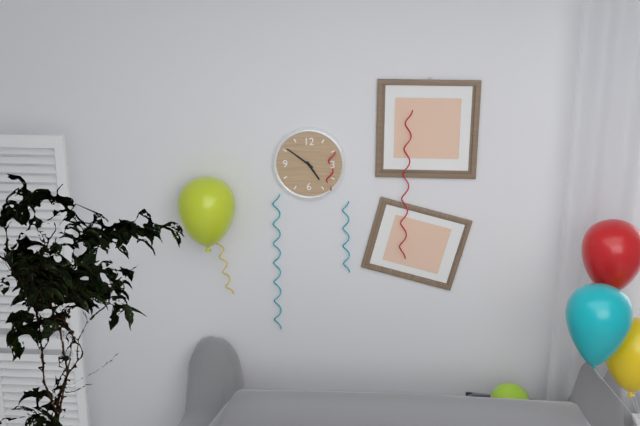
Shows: 4:51
